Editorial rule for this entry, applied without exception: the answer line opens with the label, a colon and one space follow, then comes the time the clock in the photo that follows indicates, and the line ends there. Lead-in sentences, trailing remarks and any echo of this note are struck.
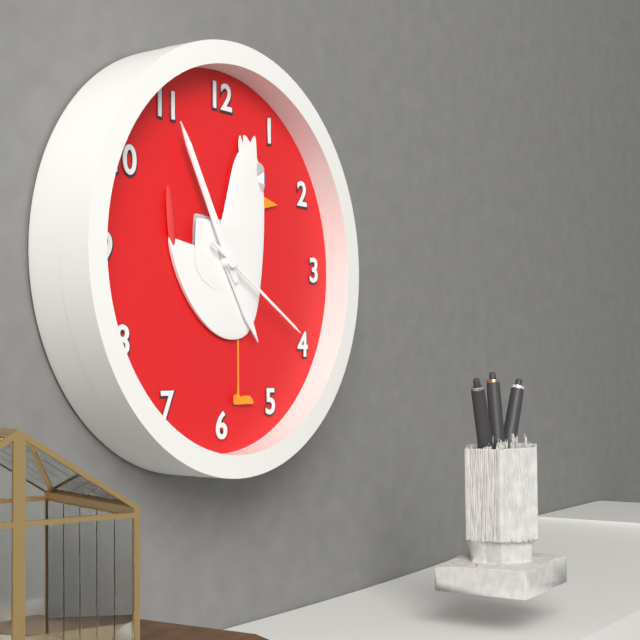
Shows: 4:55:20
